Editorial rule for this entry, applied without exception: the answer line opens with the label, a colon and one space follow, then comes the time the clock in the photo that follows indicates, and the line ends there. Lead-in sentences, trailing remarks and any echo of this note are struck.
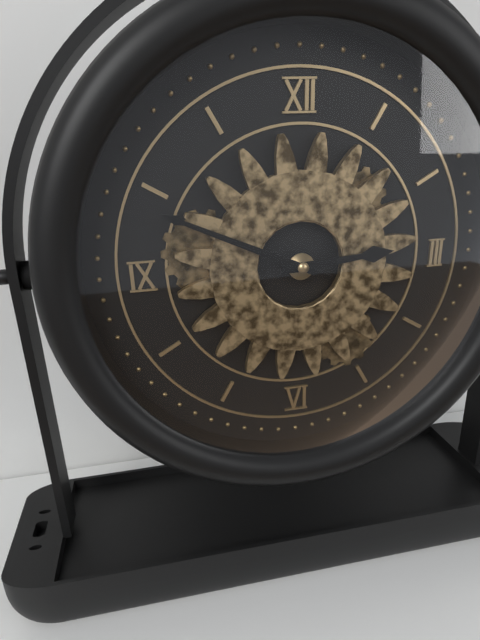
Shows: 2:49
